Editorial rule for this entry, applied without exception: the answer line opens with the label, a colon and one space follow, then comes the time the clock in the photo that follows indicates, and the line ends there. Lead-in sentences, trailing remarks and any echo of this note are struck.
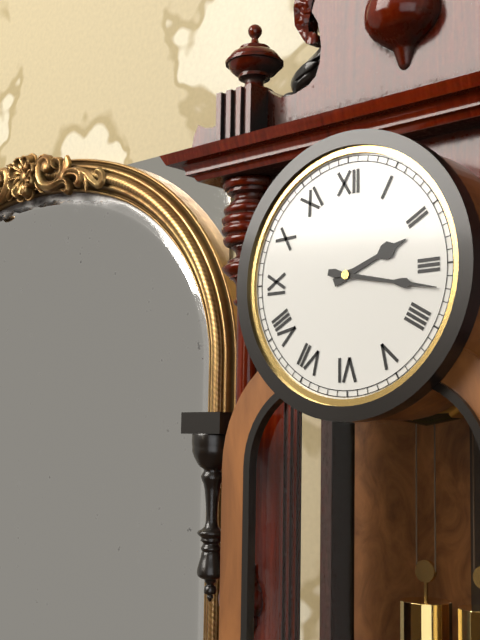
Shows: 2:17
